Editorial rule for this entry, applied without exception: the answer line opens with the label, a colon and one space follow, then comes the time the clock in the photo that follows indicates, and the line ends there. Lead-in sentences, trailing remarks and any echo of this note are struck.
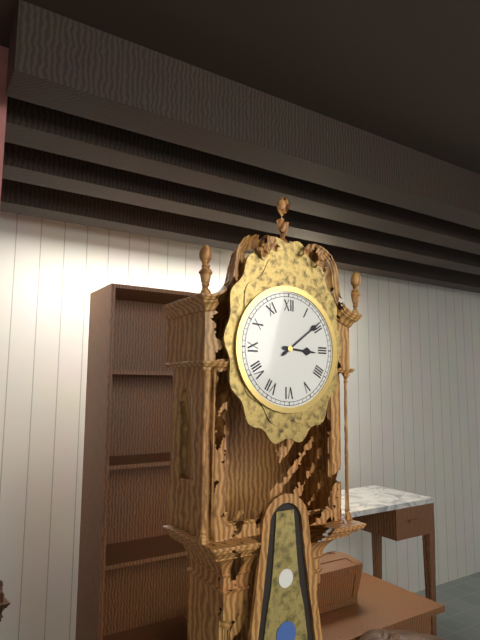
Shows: 3:09
